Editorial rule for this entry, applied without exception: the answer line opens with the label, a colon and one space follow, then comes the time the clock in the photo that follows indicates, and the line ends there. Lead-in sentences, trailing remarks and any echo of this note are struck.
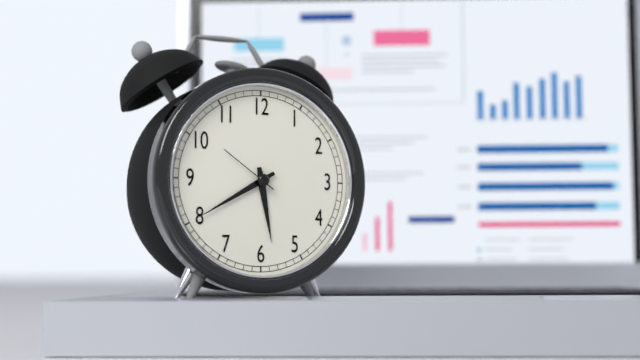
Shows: 5:40:51
